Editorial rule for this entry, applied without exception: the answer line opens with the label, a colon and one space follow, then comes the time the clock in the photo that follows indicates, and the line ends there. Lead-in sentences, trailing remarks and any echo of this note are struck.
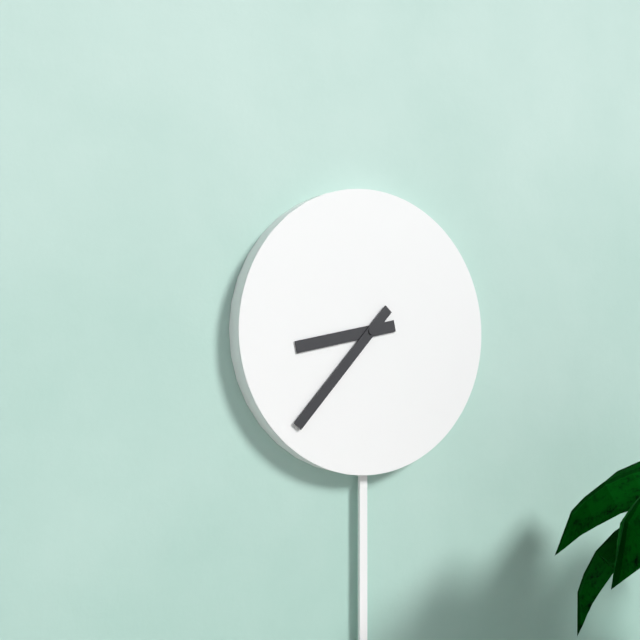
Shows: 8:37
